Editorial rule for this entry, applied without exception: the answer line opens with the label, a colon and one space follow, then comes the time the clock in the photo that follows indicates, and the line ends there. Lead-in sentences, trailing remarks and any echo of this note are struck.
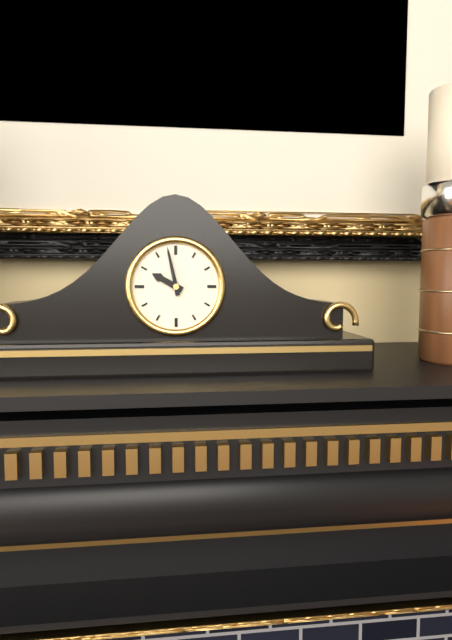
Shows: 9:58
